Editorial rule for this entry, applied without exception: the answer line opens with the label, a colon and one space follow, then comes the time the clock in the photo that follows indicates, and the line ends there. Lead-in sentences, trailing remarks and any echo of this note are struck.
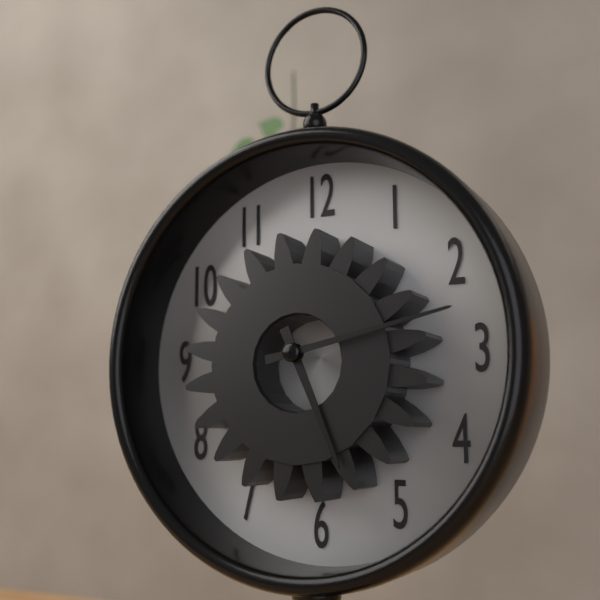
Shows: 5:13
